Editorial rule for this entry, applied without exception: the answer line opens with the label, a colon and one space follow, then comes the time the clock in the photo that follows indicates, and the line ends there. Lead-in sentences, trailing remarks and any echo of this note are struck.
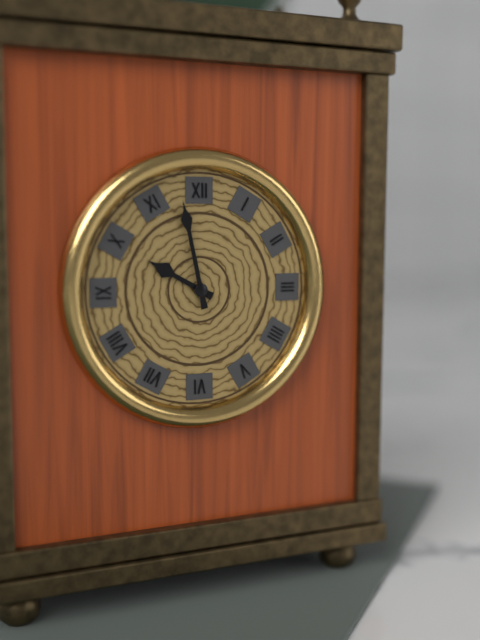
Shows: 9:58
